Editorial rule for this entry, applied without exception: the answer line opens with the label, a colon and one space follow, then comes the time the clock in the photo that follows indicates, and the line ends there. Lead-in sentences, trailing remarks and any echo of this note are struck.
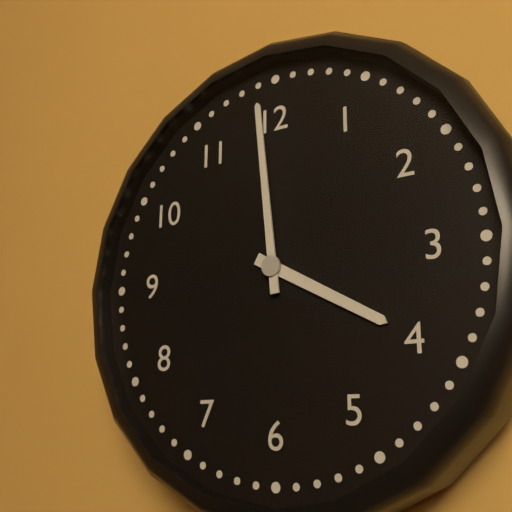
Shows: 3:59
